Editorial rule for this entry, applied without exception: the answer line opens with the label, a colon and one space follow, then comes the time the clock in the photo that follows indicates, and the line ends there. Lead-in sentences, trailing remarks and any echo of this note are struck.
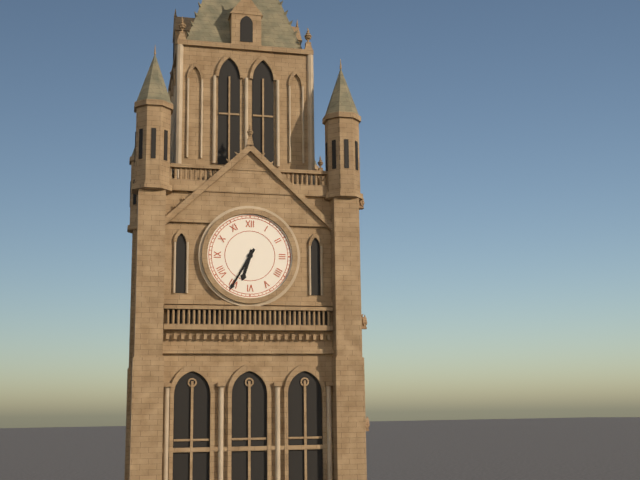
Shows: 6:35
